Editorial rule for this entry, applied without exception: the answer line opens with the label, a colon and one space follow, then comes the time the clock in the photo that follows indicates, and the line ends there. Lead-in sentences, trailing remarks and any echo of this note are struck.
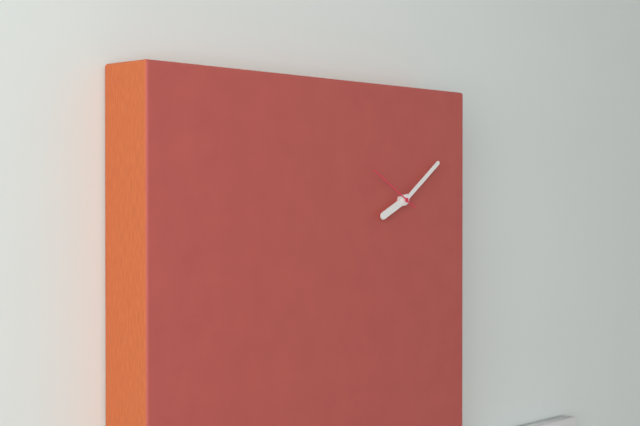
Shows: 8:09:50
